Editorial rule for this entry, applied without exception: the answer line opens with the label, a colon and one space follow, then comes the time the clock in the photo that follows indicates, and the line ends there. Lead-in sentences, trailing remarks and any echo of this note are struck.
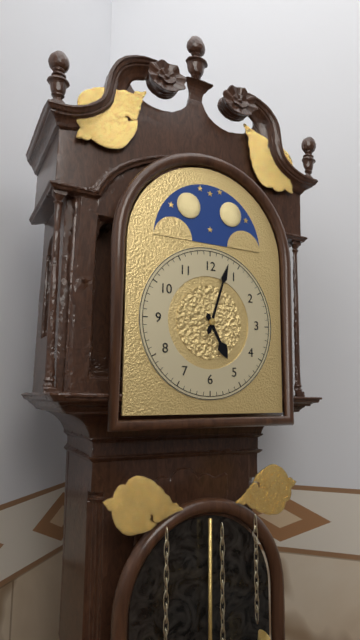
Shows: 5:03
